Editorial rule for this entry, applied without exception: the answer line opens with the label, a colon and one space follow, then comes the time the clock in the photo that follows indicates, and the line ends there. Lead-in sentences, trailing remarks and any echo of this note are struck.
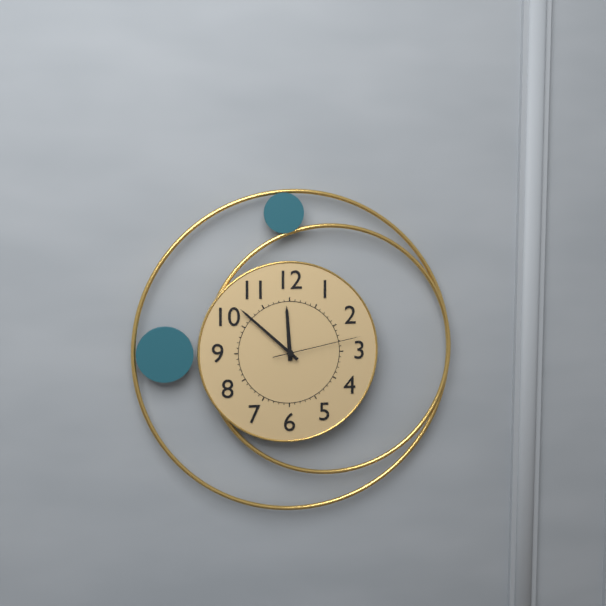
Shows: 11:52:13
